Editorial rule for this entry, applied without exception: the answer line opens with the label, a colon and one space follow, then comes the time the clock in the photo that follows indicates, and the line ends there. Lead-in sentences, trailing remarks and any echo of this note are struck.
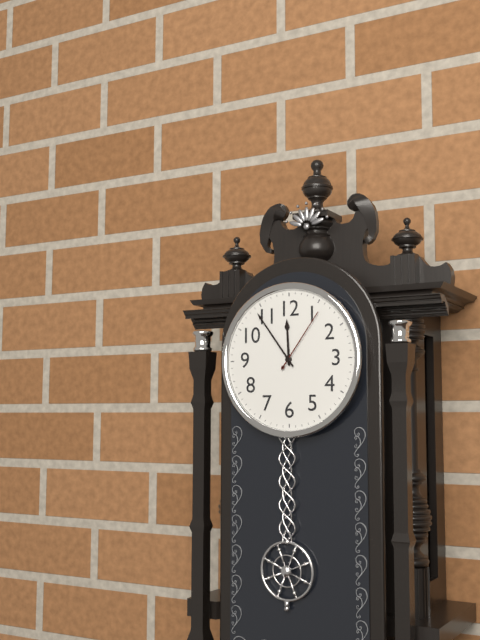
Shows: 11:54:06
